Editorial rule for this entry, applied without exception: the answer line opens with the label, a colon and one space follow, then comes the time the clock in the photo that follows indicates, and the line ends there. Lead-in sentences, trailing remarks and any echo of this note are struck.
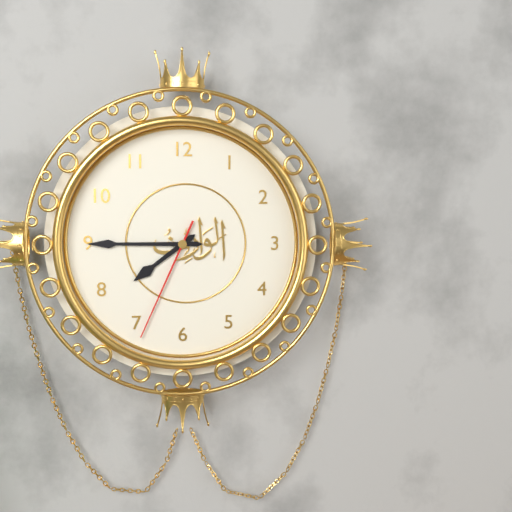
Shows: 7:45:34
